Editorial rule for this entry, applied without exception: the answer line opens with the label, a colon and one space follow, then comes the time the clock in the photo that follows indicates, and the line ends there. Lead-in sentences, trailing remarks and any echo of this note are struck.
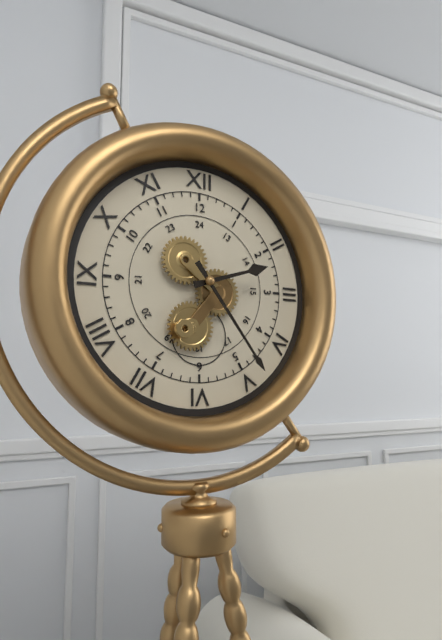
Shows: 2:24
